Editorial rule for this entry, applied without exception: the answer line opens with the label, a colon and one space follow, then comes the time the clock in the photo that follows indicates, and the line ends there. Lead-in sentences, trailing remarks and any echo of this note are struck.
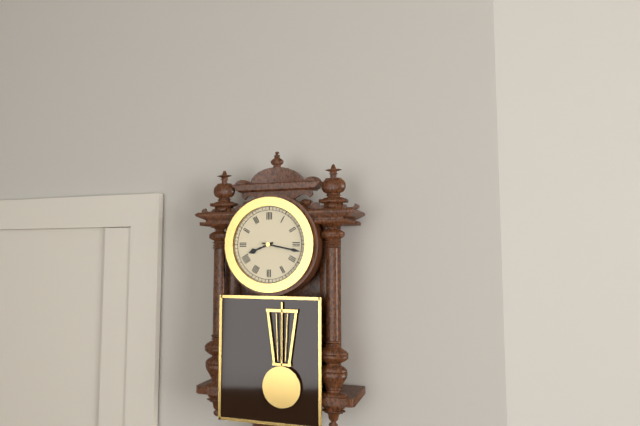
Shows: 8:17
